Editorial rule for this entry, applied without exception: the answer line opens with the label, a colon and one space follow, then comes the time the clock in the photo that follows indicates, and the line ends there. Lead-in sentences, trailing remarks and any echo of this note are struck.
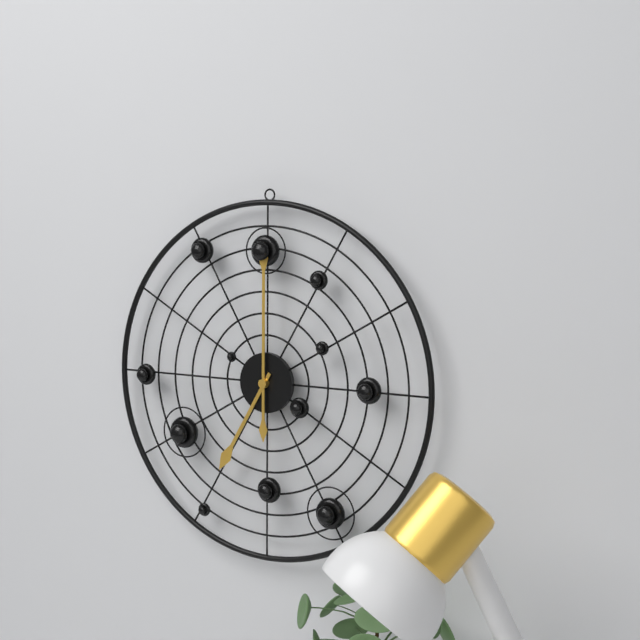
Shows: 7:00
